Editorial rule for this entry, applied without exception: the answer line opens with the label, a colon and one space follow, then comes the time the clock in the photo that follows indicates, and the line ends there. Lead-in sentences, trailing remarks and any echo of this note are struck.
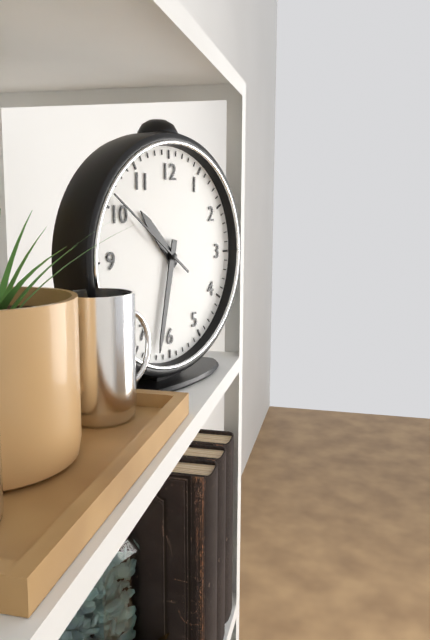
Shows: 10:32:51
